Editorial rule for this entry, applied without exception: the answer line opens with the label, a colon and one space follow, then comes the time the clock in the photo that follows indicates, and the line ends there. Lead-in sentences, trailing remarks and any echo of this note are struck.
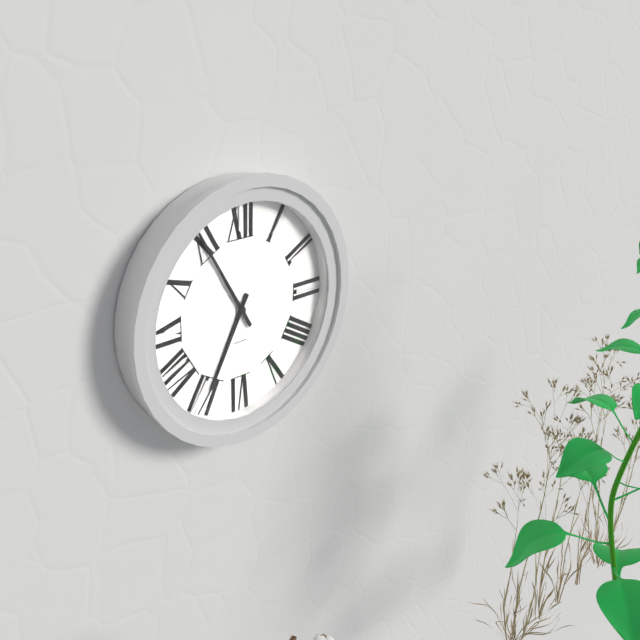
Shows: 6:55
